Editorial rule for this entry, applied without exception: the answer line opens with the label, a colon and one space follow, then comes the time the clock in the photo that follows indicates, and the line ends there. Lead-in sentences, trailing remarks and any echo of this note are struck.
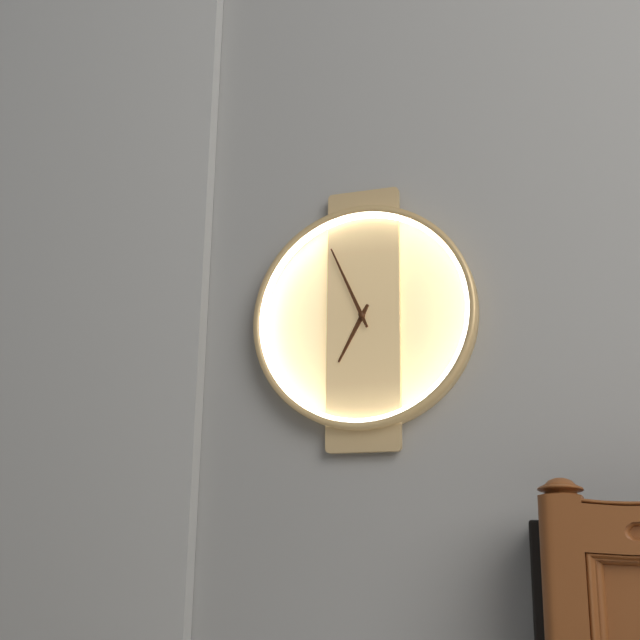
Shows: 6:56
